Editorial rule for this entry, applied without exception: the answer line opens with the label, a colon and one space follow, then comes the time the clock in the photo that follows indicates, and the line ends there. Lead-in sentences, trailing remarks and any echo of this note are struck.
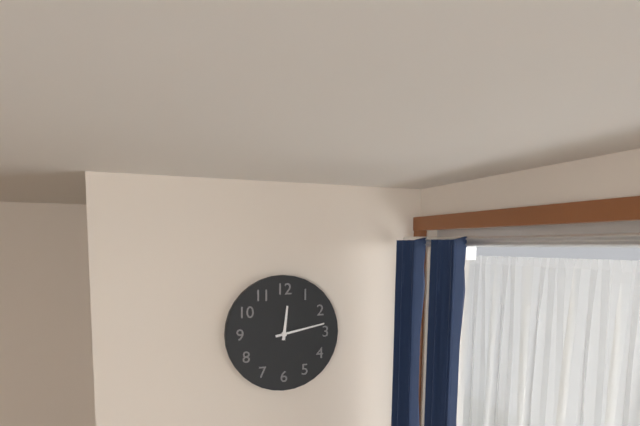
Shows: 12:13
